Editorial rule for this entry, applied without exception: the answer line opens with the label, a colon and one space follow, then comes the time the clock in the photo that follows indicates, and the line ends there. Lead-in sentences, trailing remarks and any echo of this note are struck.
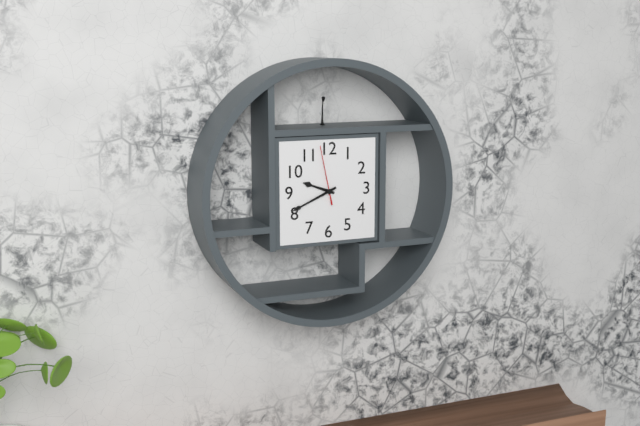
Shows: 9:41:58
